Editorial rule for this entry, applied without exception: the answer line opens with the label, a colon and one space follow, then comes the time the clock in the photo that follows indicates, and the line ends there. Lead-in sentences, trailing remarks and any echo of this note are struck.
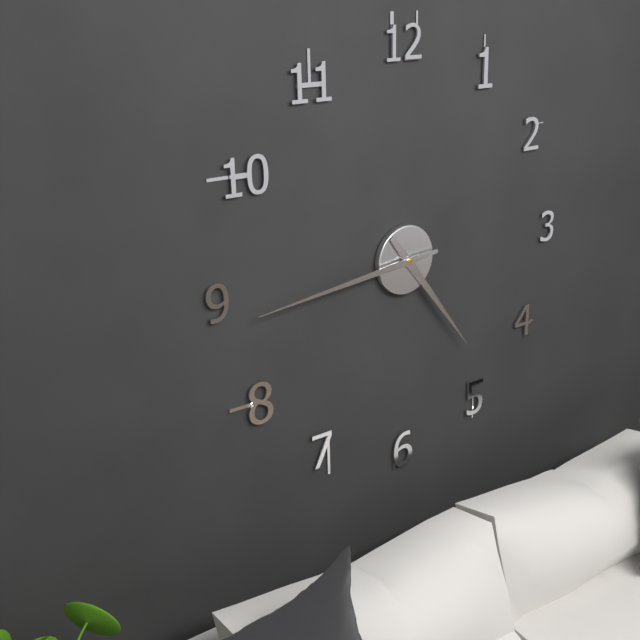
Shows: 4:44
